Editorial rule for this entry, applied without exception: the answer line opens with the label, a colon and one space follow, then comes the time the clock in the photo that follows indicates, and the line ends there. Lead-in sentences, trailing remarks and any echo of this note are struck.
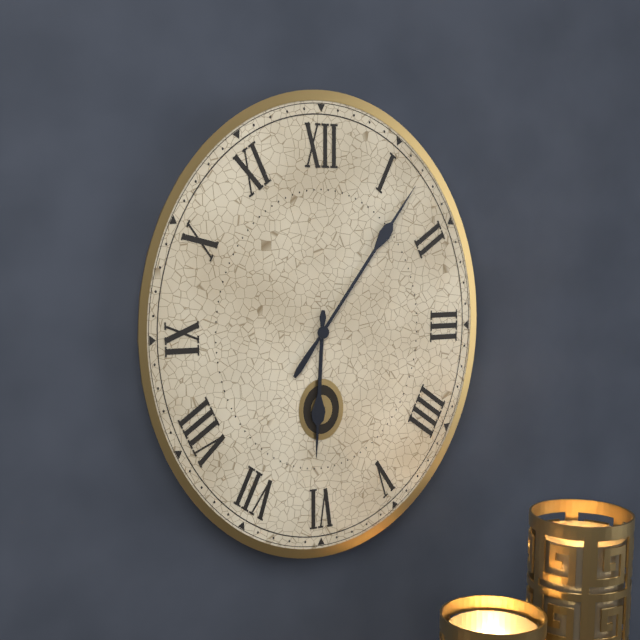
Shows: 6:06
